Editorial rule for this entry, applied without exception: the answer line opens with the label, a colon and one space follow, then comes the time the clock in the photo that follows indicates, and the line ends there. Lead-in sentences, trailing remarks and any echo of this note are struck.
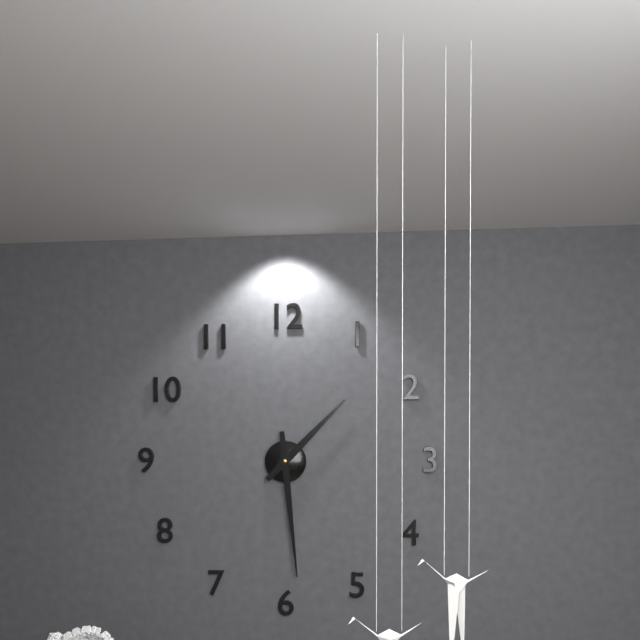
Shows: 1:29
